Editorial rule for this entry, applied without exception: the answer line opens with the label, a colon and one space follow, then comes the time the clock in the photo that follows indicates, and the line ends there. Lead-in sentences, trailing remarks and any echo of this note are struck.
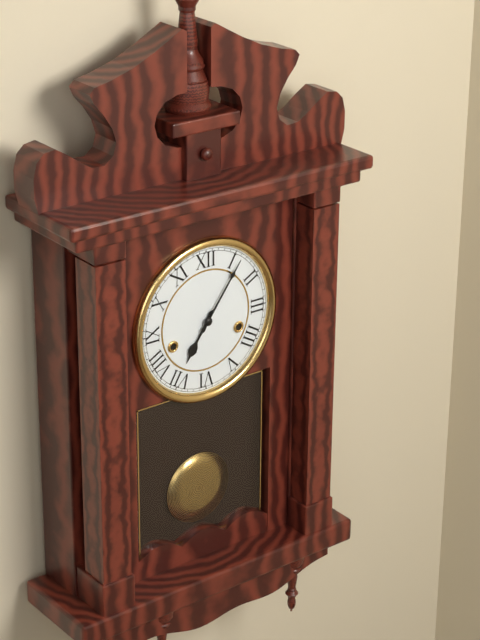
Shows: 7:06
